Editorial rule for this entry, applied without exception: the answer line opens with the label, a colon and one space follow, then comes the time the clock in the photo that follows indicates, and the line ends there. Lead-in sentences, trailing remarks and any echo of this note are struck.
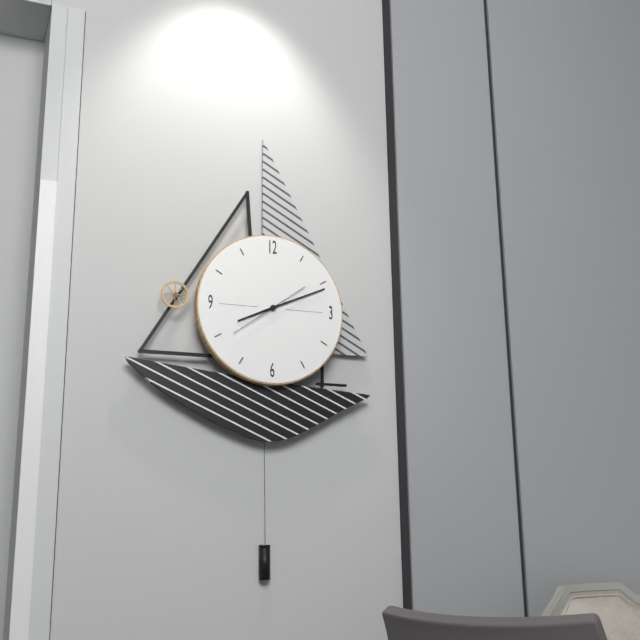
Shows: 8:11:39
